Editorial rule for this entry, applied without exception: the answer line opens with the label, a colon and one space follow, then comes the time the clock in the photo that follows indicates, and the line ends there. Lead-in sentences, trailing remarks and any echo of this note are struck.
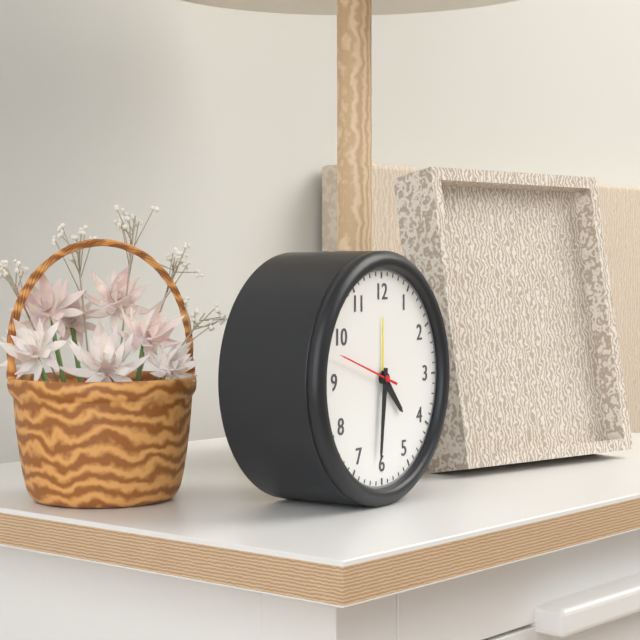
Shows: 4:31:48
